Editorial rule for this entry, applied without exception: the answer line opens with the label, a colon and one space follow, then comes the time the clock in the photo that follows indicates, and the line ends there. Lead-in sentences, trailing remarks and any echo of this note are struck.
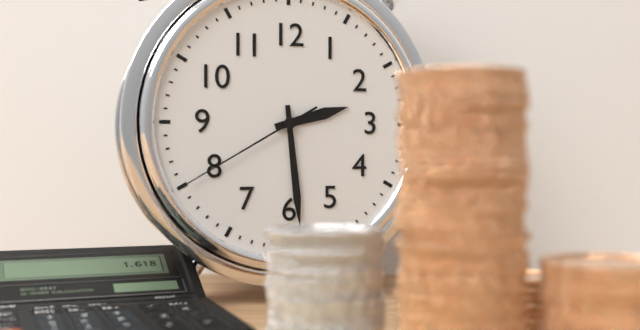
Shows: 2:29:40
